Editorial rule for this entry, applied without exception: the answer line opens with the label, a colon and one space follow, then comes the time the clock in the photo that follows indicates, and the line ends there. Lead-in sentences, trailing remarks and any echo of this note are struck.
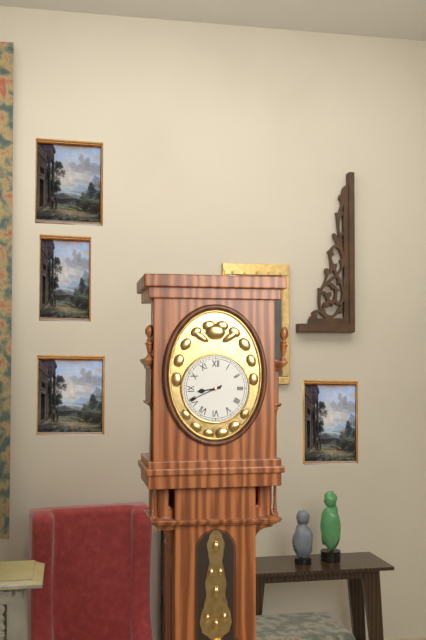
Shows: 8:41
